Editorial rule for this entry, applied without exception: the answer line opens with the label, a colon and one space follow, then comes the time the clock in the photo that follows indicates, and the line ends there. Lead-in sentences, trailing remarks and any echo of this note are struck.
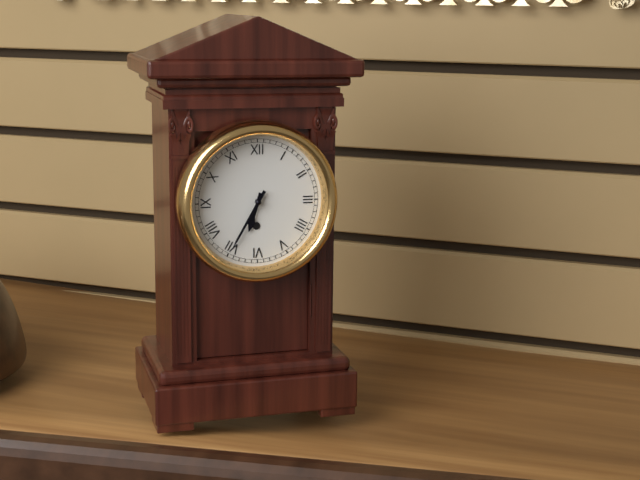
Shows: 6:35
